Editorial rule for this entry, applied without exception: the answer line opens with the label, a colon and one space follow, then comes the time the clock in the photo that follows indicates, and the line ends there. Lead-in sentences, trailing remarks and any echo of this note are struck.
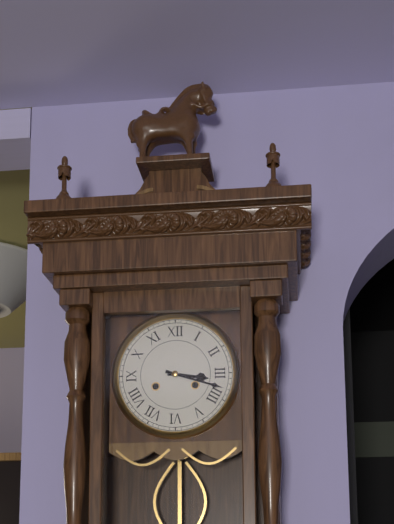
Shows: 3:18
